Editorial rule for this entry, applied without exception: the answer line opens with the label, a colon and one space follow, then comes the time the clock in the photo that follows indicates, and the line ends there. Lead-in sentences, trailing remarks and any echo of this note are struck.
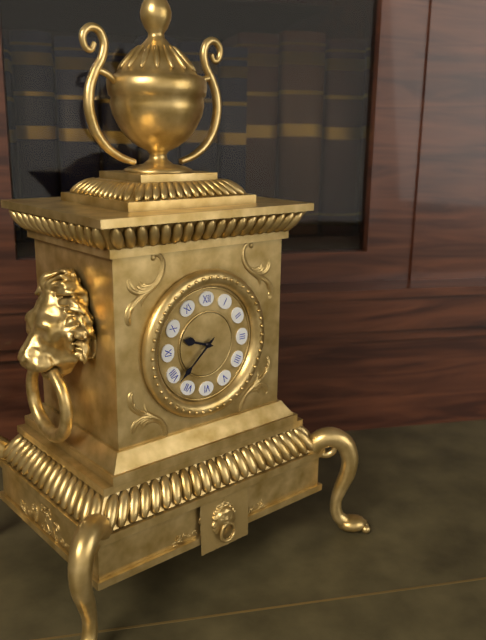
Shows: 9:38
